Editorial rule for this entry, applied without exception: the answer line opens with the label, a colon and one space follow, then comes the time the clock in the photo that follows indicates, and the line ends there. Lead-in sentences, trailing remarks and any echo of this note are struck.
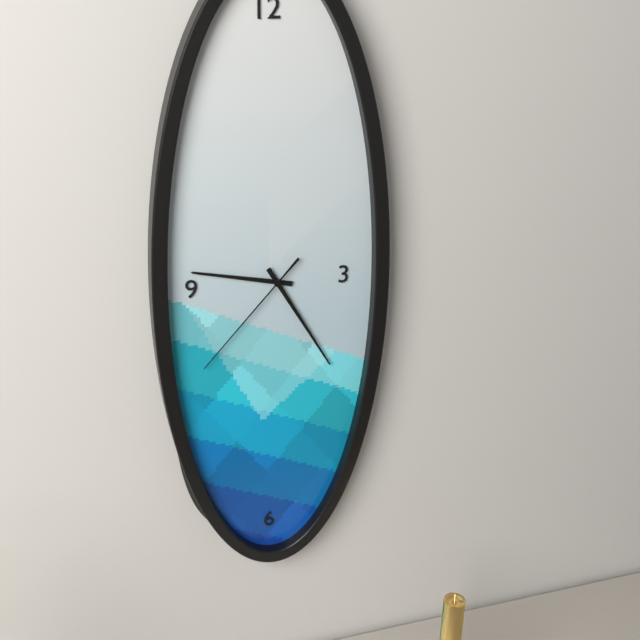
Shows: 9:25:37
